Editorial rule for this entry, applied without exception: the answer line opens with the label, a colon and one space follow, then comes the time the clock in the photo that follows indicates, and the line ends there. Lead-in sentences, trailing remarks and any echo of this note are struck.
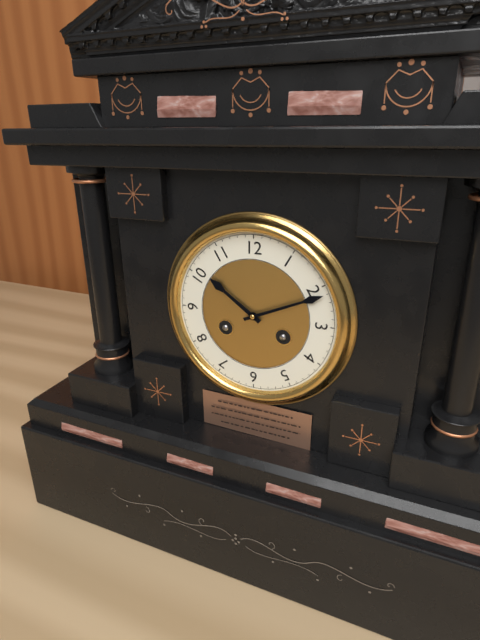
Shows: 10:11
